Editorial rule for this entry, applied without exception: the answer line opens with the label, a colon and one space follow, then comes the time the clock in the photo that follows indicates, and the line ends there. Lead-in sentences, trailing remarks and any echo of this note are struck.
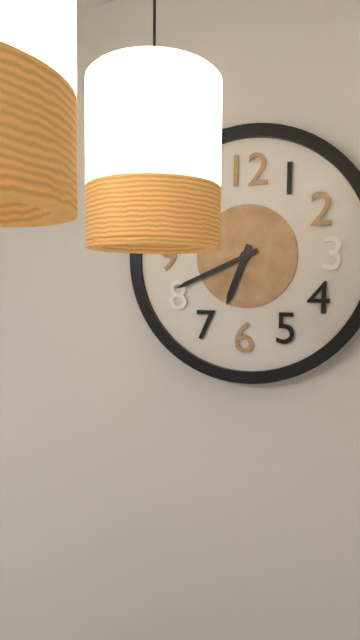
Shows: 6:41
